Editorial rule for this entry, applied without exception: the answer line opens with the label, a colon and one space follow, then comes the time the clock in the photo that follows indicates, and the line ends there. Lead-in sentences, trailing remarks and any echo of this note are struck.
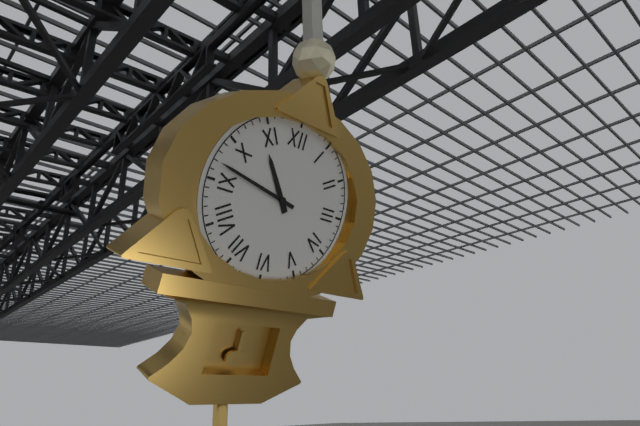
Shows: 10:47
